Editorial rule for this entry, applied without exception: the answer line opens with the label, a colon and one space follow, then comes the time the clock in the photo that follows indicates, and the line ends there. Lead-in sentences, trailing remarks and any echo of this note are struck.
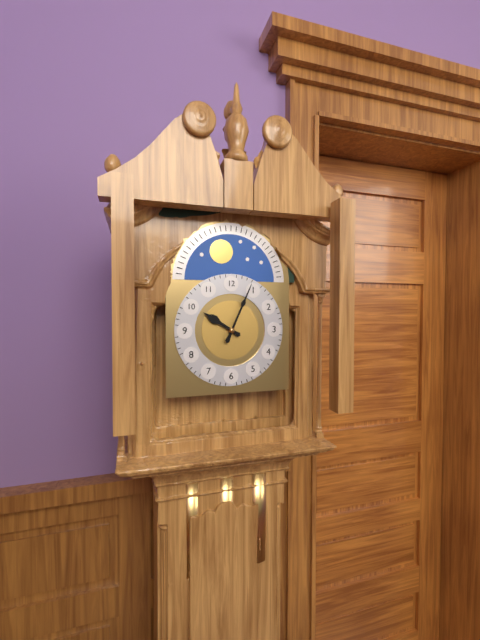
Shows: 10:04
